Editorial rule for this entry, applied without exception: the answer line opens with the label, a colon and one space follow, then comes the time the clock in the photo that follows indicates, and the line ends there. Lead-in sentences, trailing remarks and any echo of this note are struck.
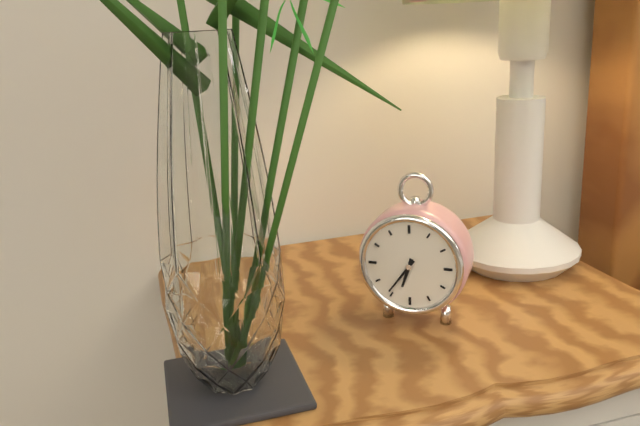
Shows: 6:36
